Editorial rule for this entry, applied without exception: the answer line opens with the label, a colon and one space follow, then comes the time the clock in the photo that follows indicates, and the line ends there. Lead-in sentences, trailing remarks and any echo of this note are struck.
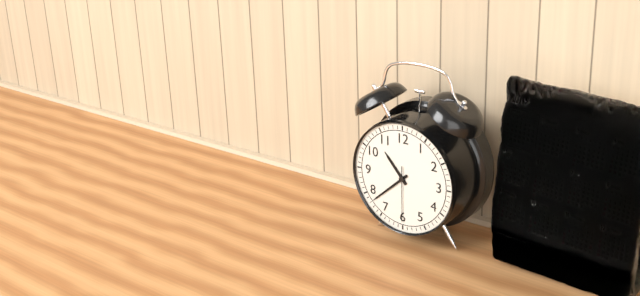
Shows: 10:38:30
